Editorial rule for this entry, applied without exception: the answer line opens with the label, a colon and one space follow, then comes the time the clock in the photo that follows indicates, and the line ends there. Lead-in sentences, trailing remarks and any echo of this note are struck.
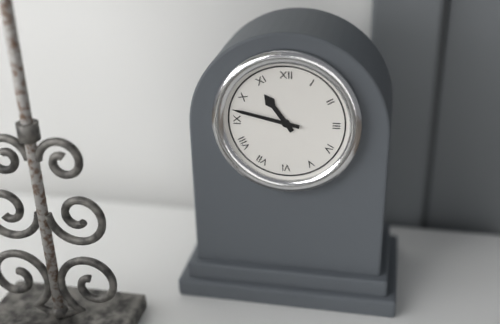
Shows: 10:47
